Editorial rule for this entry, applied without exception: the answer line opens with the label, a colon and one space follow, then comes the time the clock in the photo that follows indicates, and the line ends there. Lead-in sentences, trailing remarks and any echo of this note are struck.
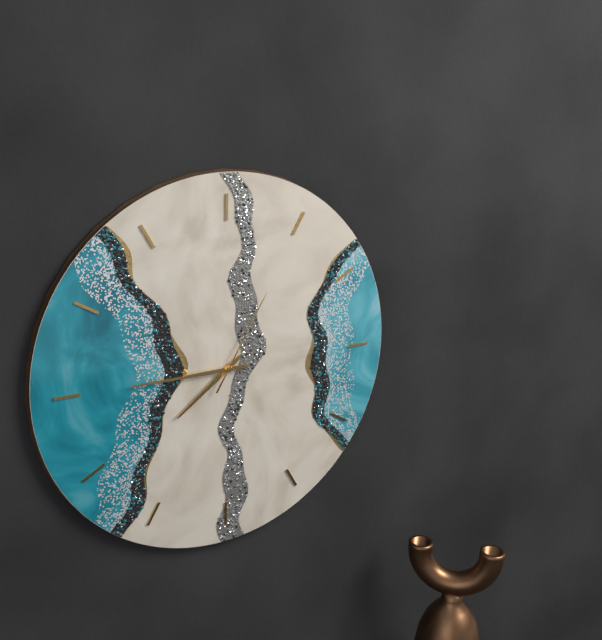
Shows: 7:45:05
